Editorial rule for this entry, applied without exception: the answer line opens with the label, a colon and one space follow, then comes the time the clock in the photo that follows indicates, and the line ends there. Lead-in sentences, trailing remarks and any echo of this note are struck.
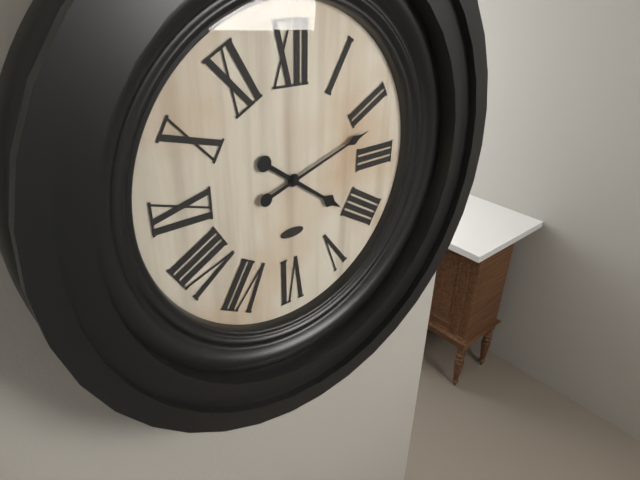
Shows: 4:12
